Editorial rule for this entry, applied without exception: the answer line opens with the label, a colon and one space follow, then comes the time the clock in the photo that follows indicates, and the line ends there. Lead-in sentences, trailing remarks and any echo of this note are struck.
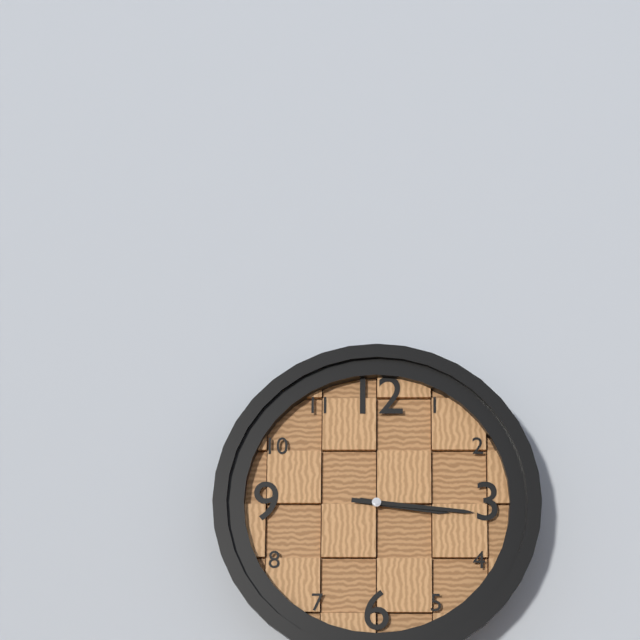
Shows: 3:16
